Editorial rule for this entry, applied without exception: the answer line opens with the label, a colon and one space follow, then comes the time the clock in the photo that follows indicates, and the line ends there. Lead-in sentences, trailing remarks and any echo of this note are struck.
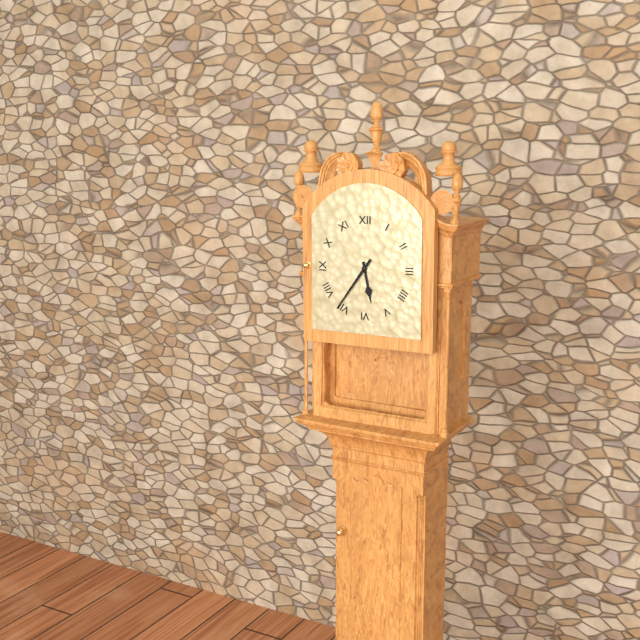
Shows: 5:36
